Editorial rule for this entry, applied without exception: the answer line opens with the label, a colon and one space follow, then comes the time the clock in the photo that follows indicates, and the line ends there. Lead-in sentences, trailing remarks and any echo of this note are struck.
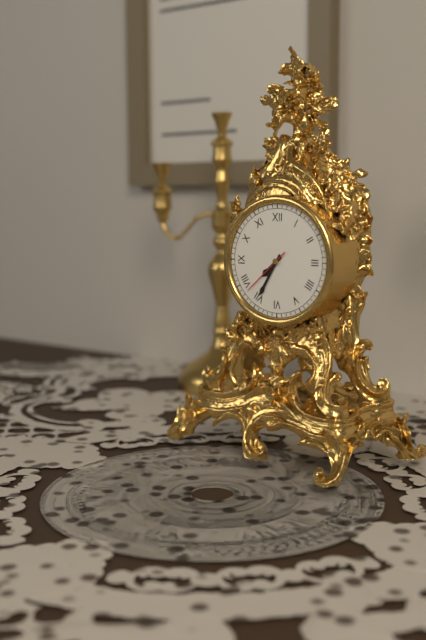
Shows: 7:35:38
